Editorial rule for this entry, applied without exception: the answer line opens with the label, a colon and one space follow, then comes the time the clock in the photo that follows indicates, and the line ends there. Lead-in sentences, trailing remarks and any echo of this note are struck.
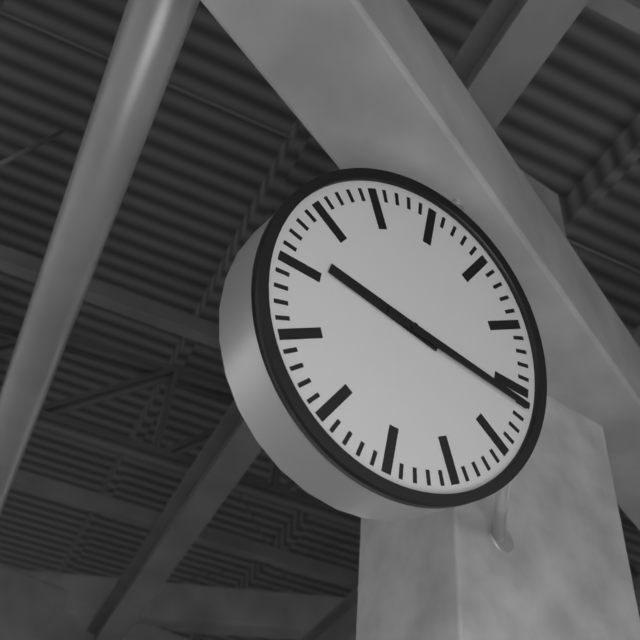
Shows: 9:16
